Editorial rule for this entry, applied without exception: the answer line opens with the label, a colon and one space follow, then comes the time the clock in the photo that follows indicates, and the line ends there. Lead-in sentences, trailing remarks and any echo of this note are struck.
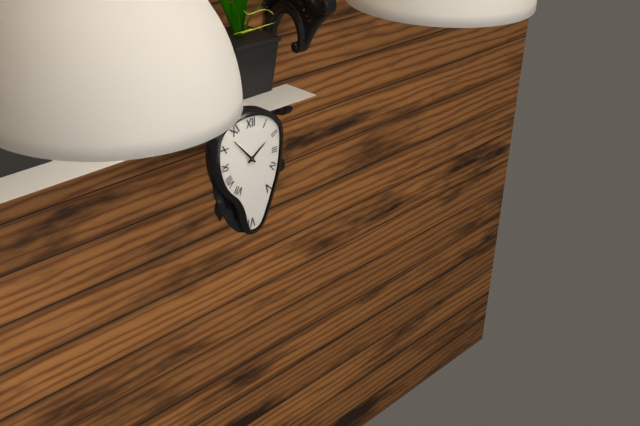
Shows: 1:53
